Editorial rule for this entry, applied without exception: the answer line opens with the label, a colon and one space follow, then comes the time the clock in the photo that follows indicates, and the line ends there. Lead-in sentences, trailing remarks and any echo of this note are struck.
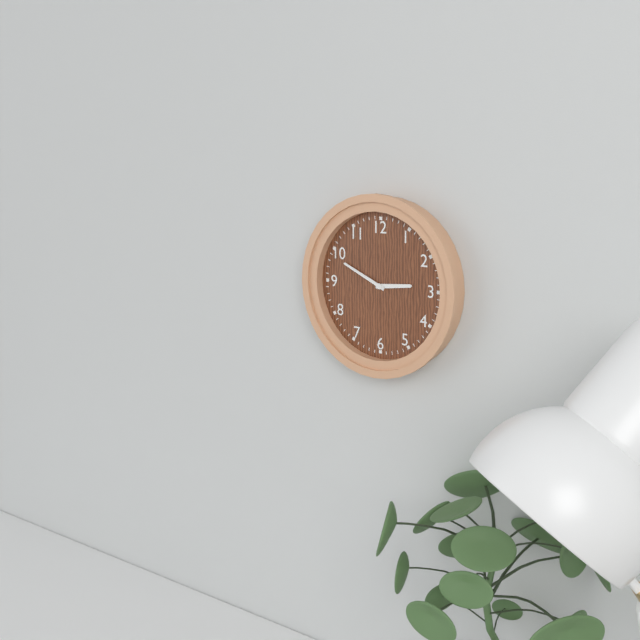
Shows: 2:49
